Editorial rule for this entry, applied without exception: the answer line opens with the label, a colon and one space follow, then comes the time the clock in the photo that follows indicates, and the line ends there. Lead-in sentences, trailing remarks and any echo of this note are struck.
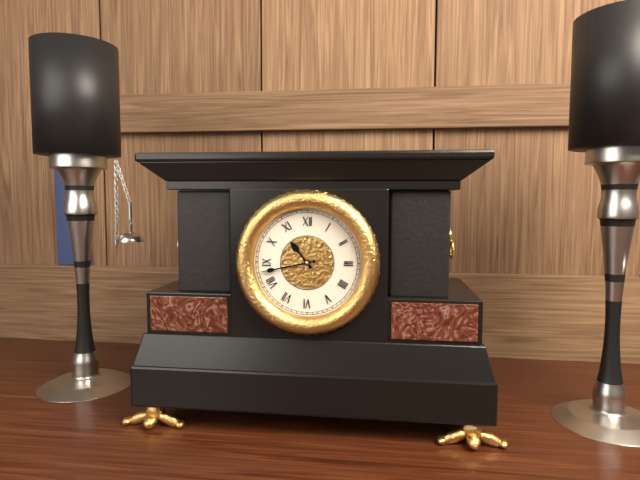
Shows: 10:43
